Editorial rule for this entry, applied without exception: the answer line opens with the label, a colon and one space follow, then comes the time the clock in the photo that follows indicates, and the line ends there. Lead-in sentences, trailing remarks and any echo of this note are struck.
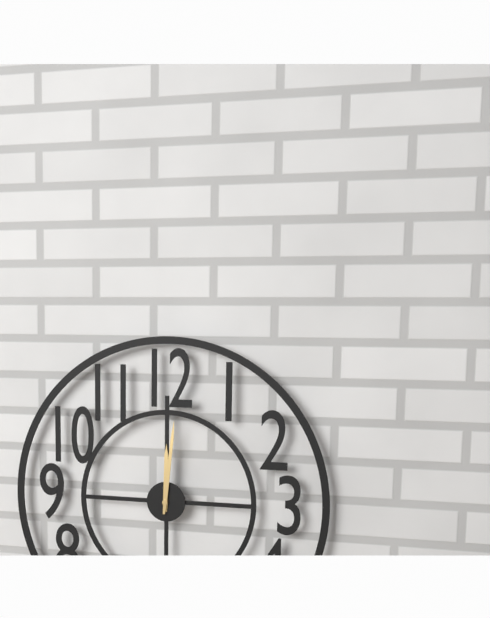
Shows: 12:01
